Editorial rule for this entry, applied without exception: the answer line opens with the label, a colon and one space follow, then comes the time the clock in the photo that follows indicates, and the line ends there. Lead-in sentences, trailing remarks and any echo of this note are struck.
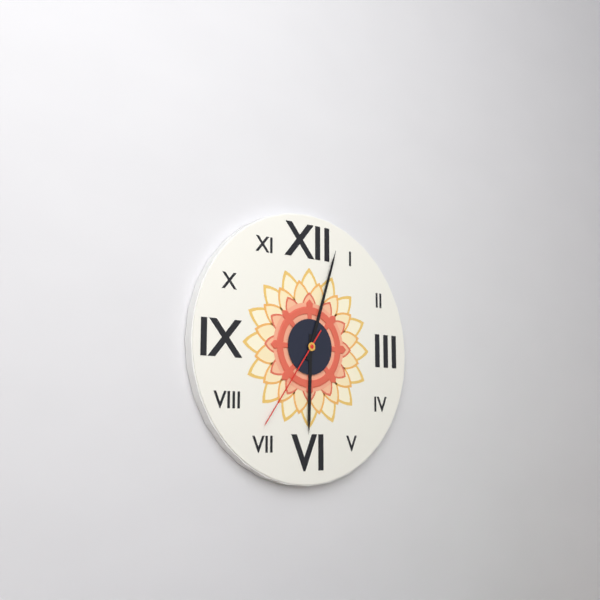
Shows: 6:03:36
